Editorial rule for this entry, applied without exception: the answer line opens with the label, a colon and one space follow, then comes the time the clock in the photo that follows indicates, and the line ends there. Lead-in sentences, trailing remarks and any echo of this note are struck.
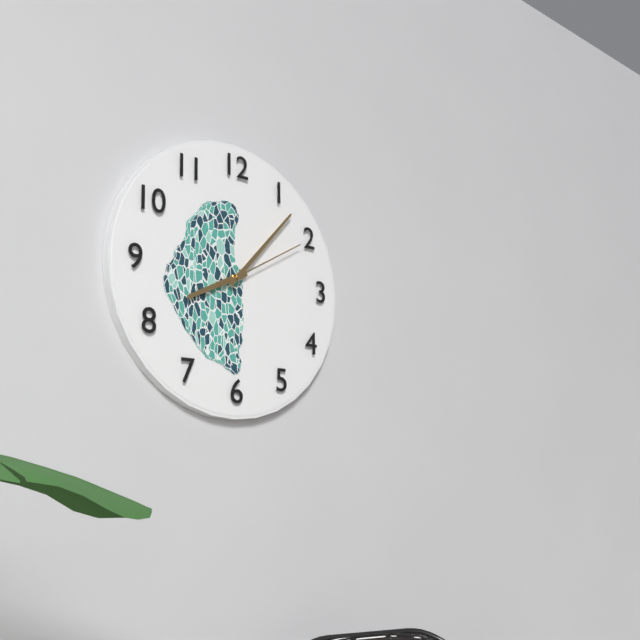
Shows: 8:07:10
